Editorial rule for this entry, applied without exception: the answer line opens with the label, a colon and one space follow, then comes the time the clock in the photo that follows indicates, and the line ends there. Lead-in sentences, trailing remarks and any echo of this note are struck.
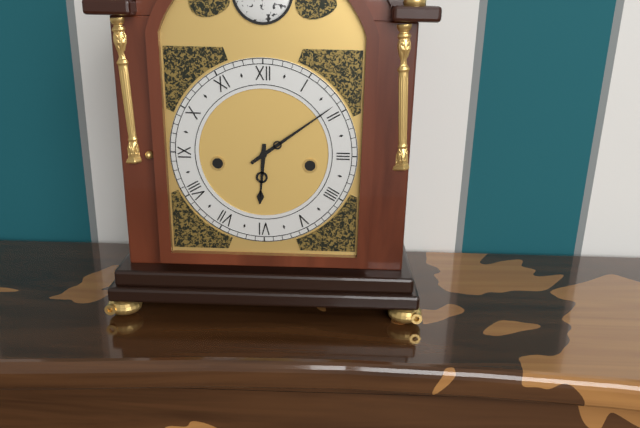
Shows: 6:09
